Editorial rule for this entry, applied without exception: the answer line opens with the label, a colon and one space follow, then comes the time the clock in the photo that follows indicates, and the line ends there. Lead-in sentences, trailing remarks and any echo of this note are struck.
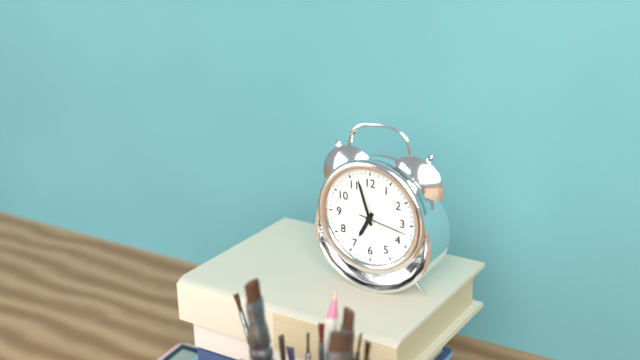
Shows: 6:57:17
